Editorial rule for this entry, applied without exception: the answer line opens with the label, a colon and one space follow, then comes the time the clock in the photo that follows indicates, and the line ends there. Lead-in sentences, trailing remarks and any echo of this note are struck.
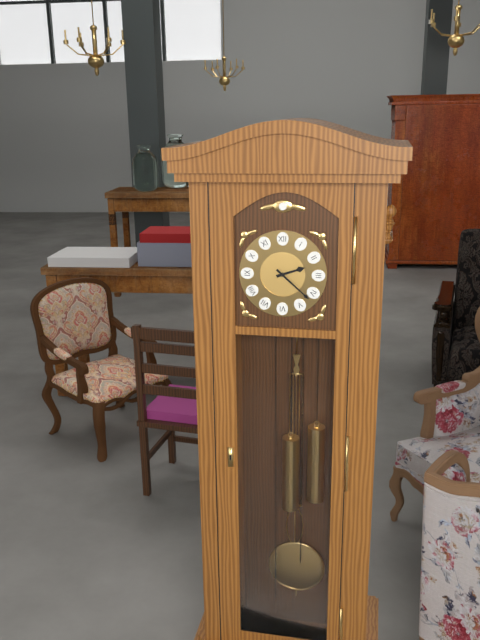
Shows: 2:22
